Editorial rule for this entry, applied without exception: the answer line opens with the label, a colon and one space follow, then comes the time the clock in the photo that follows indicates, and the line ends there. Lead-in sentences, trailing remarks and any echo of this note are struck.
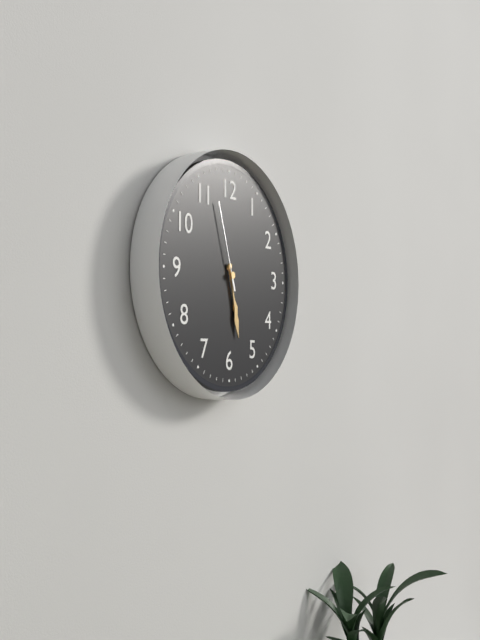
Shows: 5:28:57
